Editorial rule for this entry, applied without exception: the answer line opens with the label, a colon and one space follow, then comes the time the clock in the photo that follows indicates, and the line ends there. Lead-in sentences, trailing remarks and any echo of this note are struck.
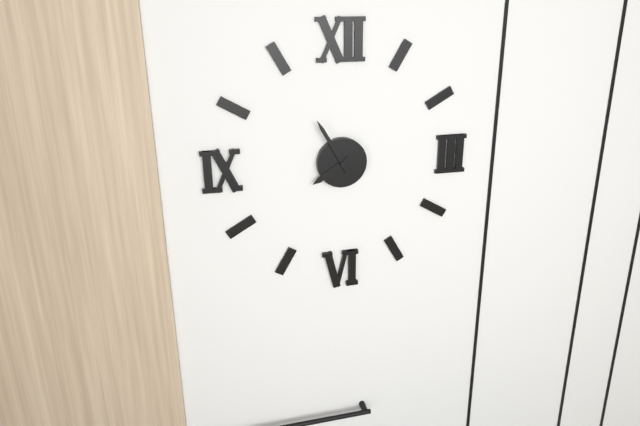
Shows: 7:55
